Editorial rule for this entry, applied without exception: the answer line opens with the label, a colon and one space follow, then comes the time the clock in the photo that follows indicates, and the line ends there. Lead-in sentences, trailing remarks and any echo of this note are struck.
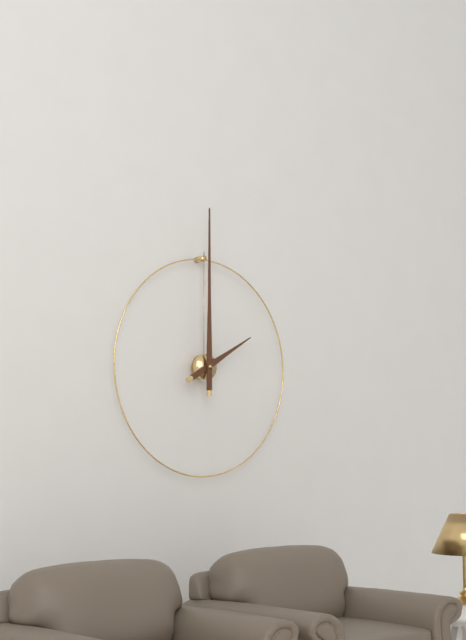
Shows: 2:00
